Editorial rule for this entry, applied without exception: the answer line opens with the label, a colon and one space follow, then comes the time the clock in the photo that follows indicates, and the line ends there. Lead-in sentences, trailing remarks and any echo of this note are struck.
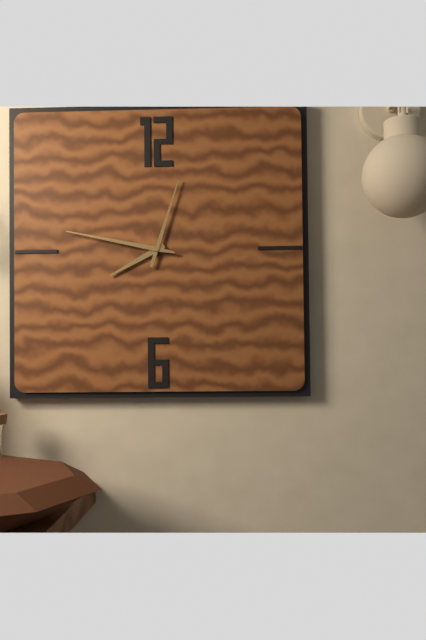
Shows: 8:03:47
